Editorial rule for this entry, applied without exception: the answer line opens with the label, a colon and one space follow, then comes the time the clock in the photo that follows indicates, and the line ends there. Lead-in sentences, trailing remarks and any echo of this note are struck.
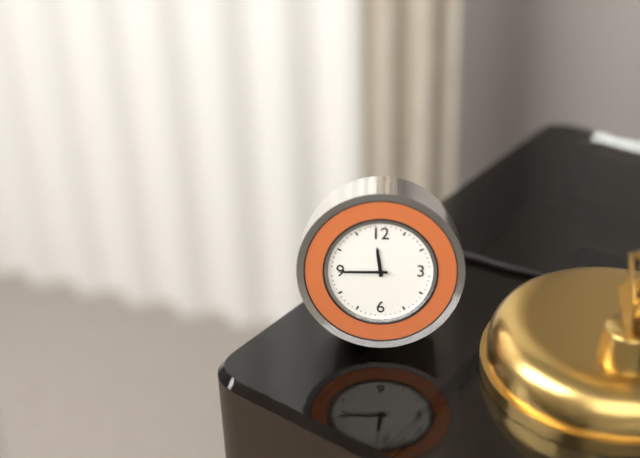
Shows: 11:45
